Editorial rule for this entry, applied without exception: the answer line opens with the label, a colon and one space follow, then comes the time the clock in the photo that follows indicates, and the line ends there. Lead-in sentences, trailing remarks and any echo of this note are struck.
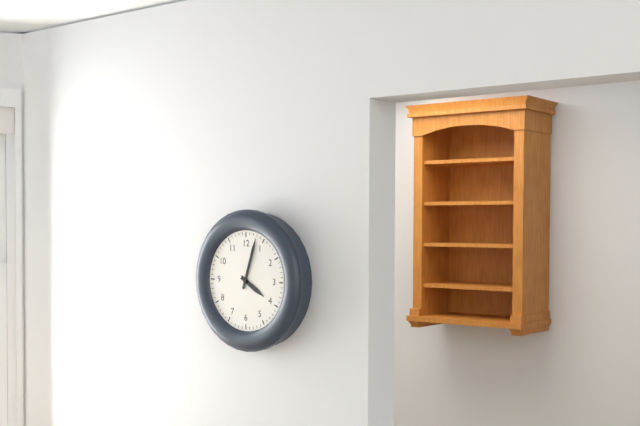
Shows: 4:03
